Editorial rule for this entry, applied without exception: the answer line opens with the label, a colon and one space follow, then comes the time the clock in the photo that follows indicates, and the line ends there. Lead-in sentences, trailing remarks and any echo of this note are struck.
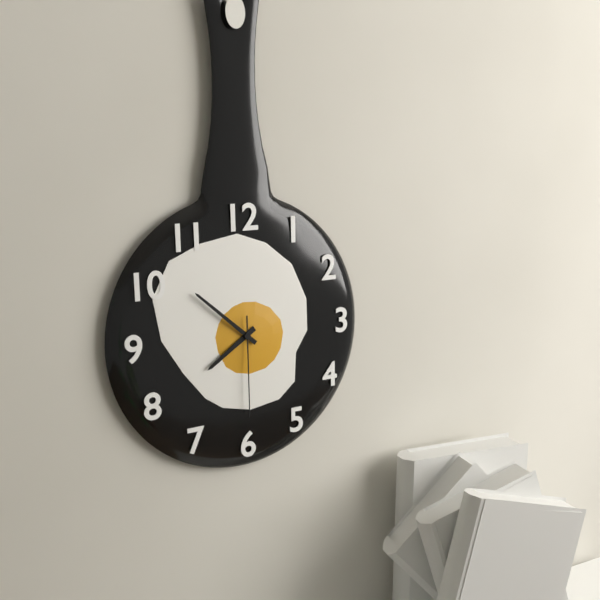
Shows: 7:52:30
